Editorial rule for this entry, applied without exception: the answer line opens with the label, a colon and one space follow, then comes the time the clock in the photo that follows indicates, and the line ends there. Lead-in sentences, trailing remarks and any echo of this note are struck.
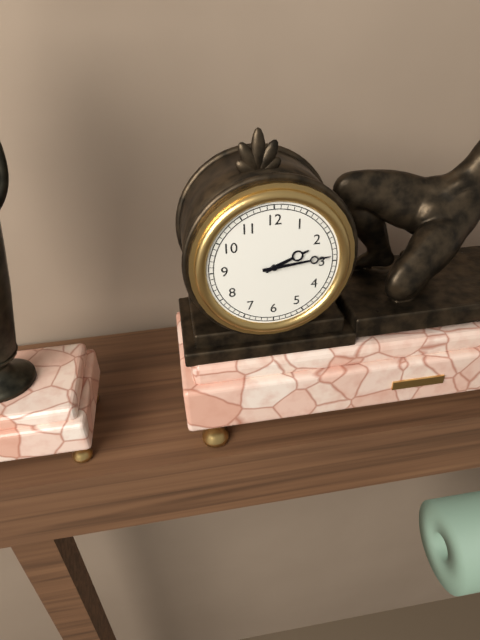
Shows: 2:14
